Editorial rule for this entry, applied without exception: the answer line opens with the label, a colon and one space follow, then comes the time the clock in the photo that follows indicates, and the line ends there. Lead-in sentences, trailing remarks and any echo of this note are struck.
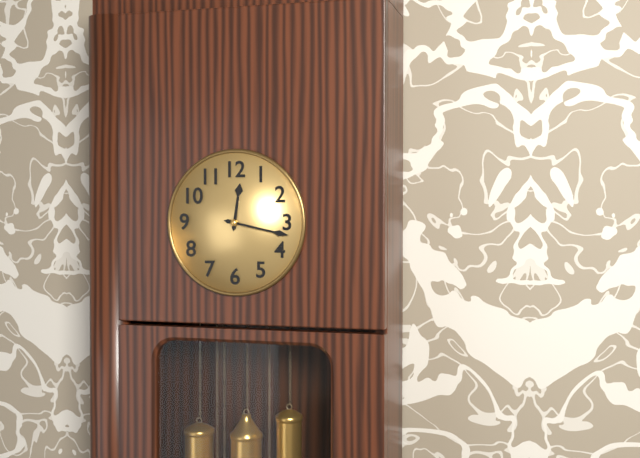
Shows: 12:17
